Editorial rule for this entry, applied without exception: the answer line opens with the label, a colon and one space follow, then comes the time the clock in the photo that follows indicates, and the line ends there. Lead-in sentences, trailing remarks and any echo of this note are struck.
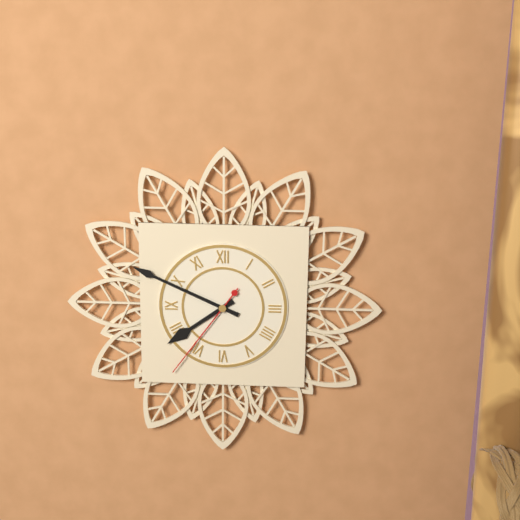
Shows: 7:49:36
